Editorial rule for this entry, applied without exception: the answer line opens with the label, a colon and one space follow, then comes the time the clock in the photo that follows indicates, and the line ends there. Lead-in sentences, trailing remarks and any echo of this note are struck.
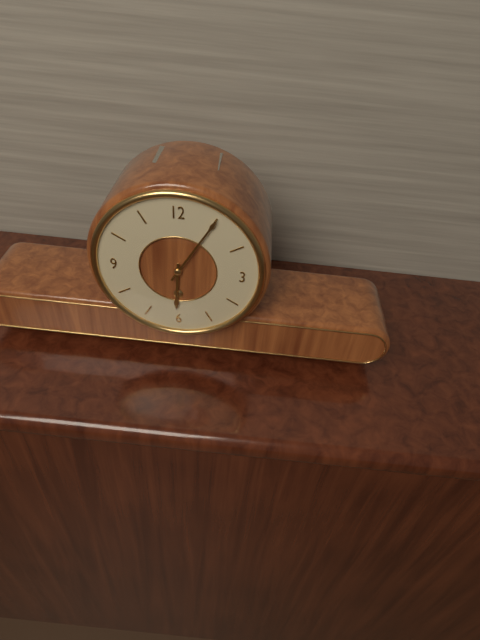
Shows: 6:05
